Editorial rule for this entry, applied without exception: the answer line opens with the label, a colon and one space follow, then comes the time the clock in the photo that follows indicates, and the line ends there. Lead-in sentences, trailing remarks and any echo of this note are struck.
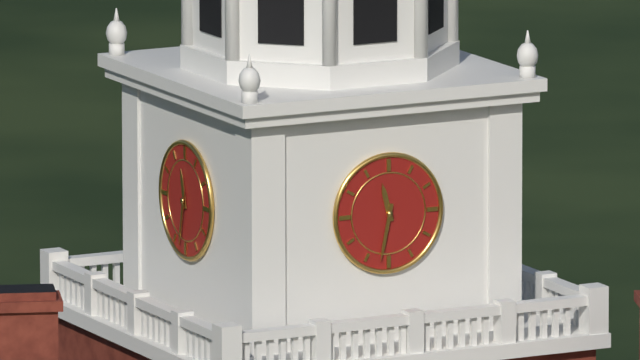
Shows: 11:32
